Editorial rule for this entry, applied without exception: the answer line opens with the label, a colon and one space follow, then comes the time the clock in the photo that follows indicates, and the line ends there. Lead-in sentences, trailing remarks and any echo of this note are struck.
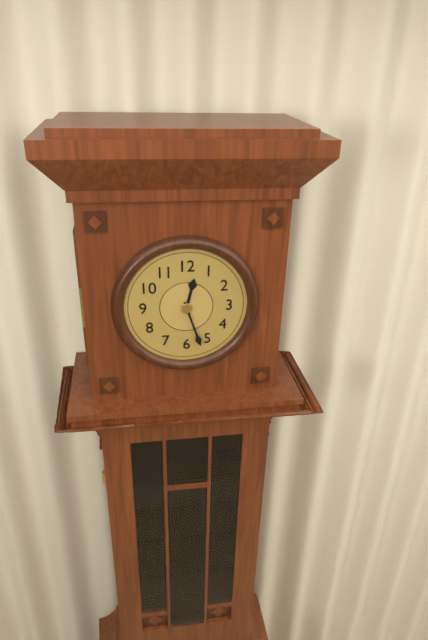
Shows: 12:27
